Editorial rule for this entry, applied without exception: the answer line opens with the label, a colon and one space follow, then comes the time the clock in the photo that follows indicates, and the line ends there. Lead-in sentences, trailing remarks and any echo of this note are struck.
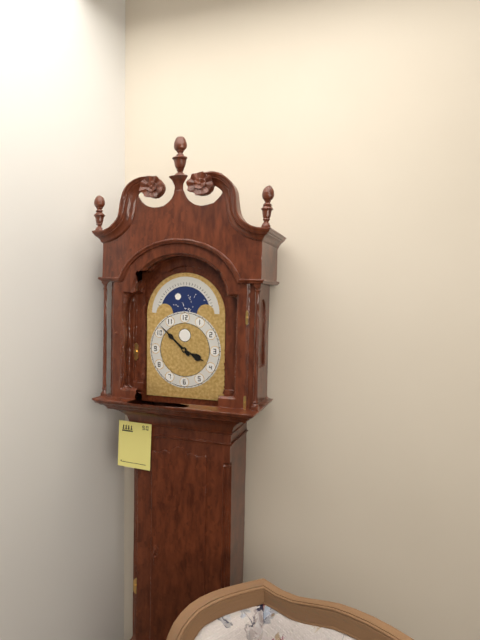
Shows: 3:52
